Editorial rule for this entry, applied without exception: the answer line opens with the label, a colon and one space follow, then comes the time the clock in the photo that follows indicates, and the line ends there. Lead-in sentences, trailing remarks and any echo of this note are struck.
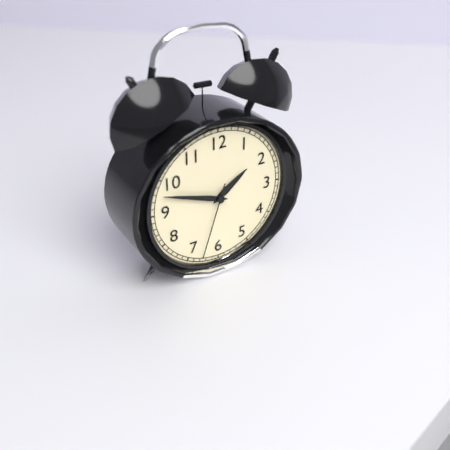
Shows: 1:48:33
